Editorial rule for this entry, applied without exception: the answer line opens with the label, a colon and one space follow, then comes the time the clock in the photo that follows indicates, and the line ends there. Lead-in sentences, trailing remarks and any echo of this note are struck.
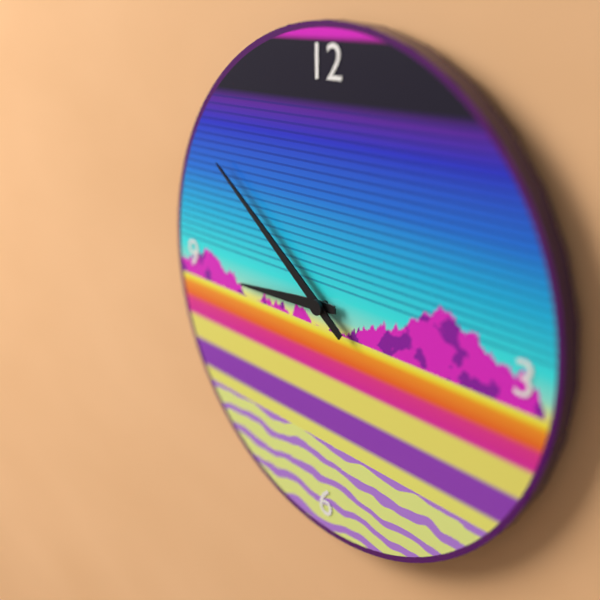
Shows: 8:51
